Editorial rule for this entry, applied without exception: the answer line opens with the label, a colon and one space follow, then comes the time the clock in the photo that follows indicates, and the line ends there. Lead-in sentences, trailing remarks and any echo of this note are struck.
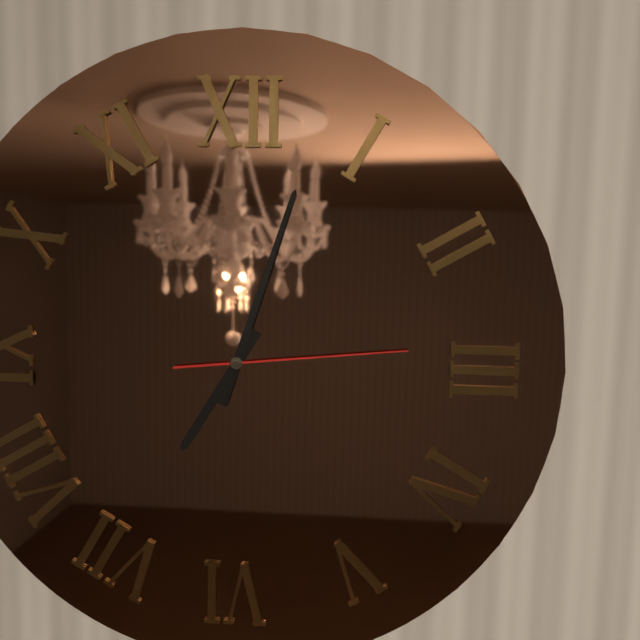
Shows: 7:03:14
